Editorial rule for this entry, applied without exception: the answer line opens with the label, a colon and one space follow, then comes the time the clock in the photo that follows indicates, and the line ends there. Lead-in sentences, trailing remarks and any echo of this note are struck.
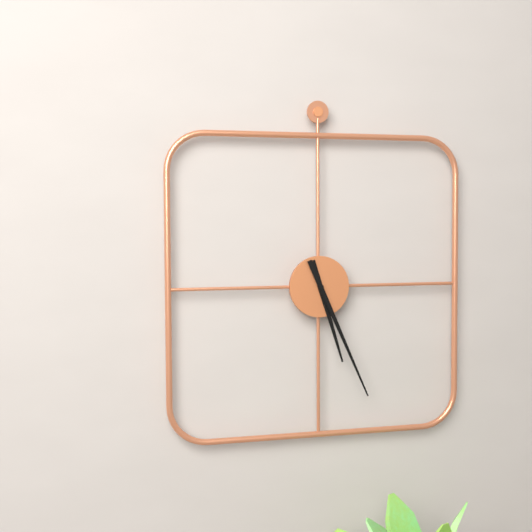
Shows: 5:26
